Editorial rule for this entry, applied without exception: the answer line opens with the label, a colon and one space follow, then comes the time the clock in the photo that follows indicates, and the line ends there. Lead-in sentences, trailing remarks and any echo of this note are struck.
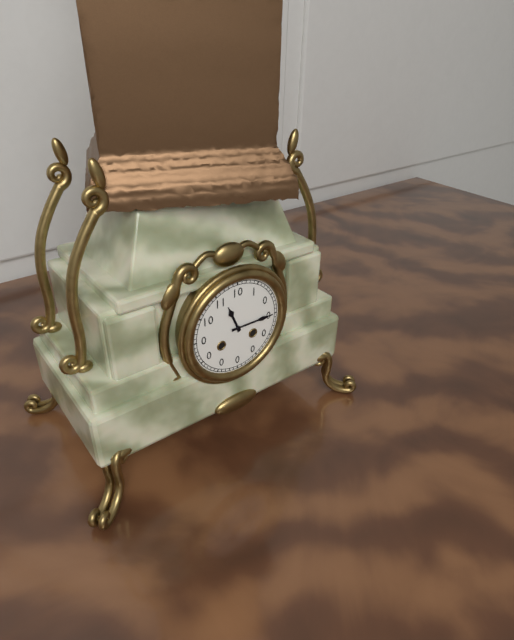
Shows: 11:15
